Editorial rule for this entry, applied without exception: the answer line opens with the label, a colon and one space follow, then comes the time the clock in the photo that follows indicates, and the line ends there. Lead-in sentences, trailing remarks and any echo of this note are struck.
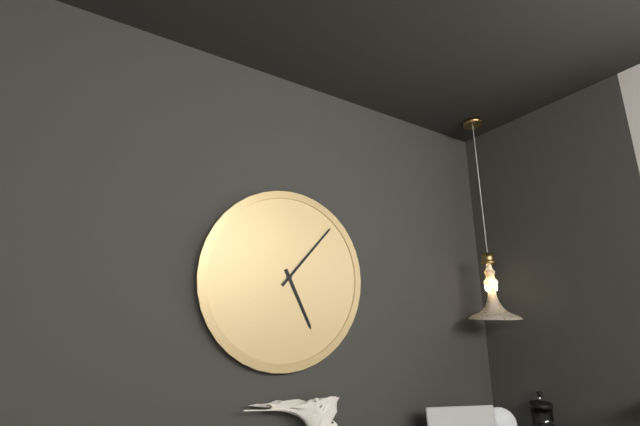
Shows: 5:07
